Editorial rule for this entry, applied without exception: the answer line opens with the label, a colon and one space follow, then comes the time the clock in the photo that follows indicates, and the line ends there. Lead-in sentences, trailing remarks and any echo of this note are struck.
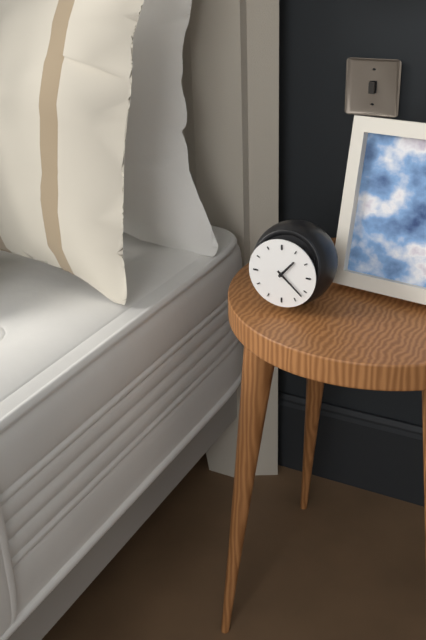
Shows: 1:22
